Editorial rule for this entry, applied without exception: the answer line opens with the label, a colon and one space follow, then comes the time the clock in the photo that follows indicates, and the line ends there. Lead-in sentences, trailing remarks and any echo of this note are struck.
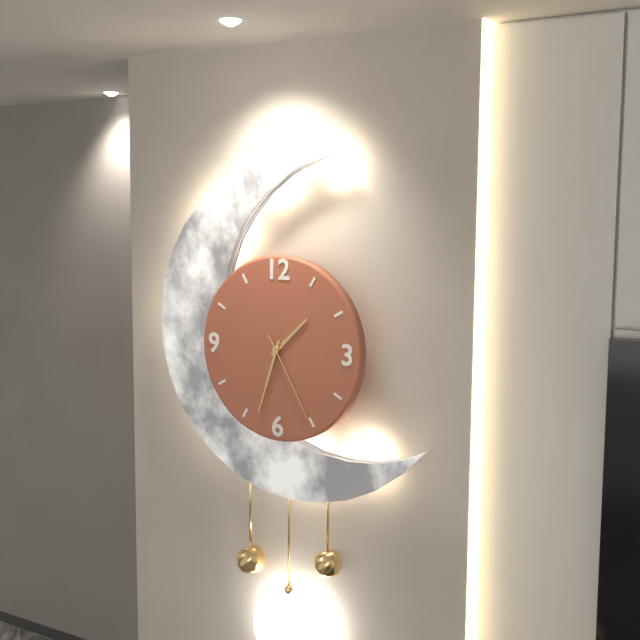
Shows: 1:33:25
